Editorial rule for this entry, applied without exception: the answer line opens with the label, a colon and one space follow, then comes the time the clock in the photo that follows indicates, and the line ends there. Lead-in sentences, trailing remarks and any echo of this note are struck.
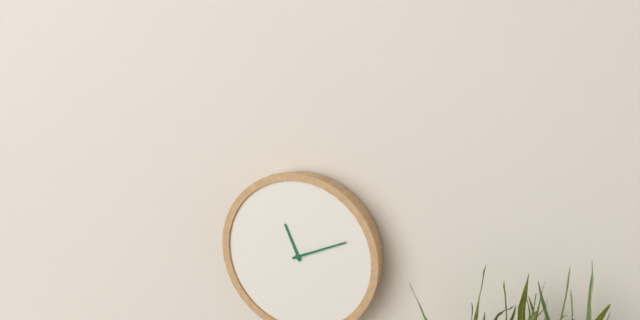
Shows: 11:11
